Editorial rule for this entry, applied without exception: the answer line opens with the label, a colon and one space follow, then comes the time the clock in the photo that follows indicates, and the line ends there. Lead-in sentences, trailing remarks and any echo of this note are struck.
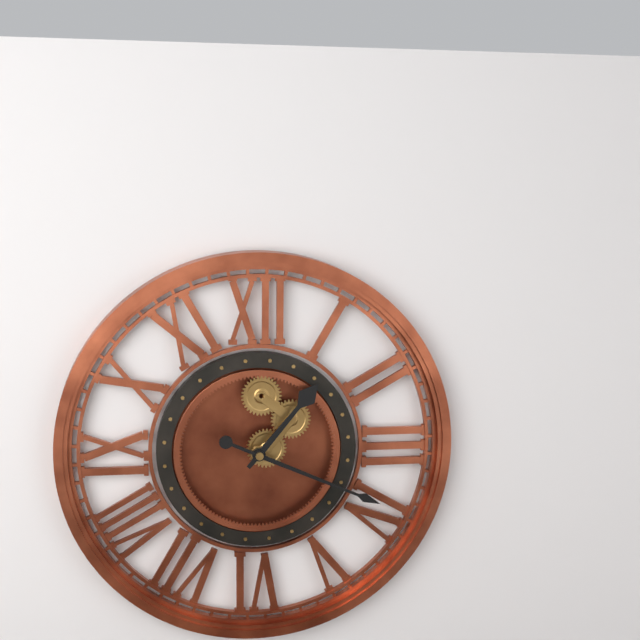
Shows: 1:19
